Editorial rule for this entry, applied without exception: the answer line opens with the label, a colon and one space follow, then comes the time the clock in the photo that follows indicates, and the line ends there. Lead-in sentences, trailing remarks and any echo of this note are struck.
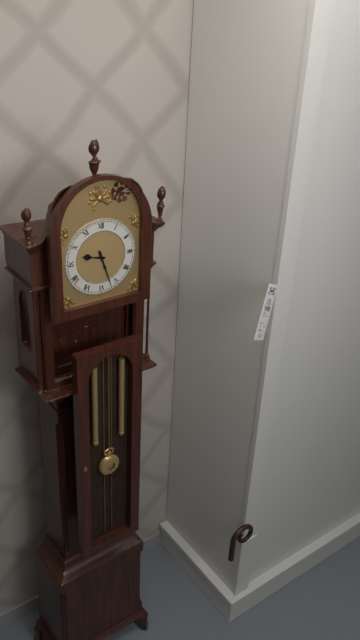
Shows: 9:27
